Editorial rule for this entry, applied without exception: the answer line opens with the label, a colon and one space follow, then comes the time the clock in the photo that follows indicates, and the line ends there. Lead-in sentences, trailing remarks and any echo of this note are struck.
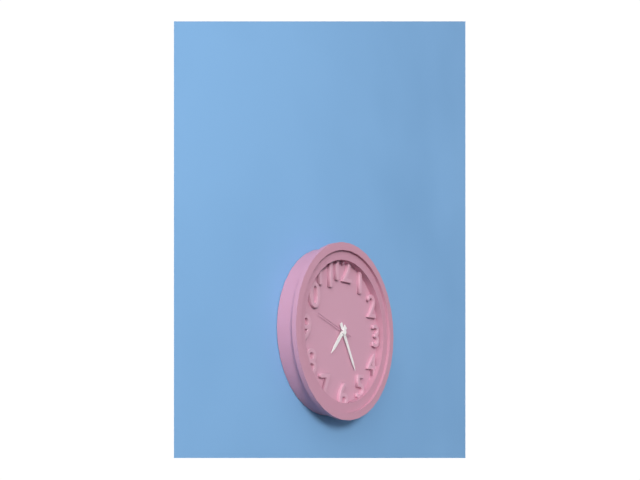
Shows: 7:25
